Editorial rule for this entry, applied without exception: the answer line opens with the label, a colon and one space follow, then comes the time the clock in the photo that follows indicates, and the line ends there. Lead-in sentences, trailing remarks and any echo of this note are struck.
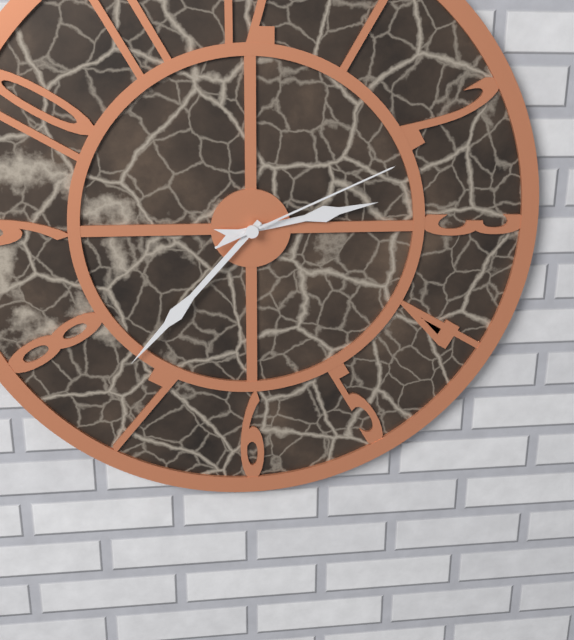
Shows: 2:37:11
